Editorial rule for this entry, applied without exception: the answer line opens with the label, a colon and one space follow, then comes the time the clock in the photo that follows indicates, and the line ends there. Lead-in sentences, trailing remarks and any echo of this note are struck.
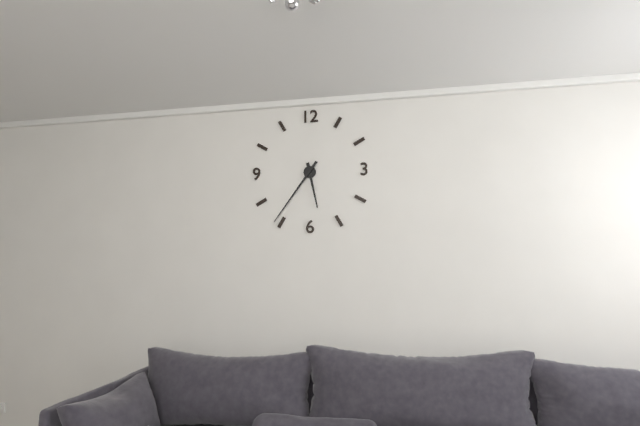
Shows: 5:36
